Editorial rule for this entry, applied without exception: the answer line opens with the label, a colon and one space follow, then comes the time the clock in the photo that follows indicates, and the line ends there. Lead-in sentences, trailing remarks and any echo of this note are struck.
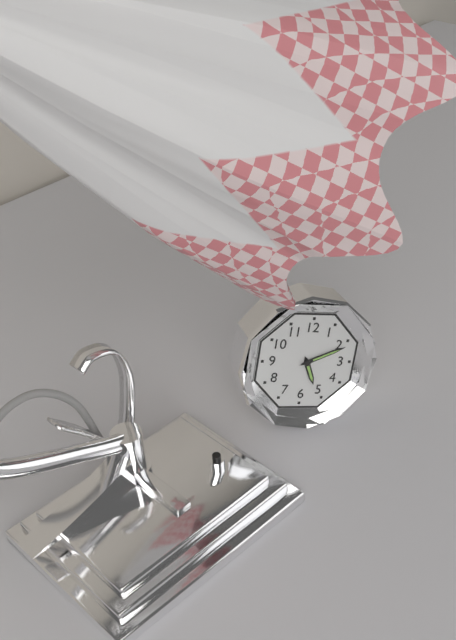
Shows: 5:11
